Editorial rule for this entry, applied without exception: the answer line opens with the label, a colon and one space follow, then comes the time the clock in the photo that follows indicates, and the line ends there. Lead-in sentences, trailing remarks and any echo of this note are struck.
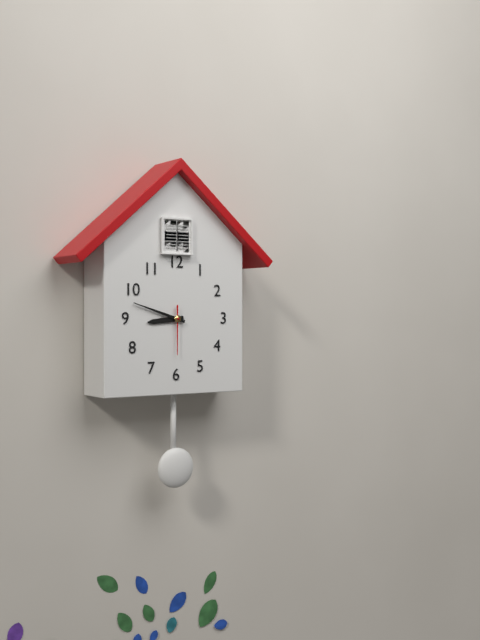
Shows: 8:48
